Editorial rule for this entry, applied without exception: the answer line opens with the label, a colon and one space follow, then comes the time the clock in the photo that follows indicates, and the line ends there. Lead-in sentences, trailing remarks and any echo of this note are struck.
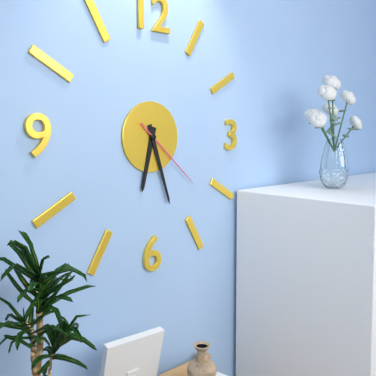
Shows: 6:27:22
